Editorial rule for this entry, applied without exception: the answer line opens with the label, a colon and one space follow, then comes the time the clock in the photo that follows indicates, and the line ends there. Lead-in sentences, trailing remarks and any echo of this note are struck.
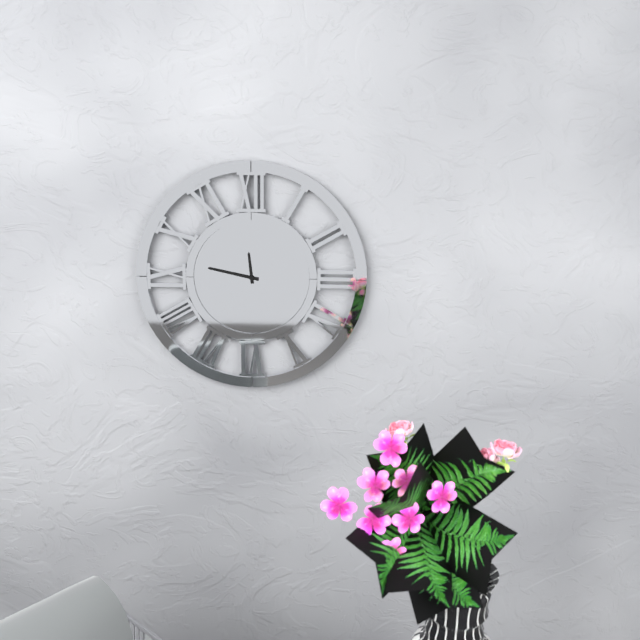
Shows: 11:47
